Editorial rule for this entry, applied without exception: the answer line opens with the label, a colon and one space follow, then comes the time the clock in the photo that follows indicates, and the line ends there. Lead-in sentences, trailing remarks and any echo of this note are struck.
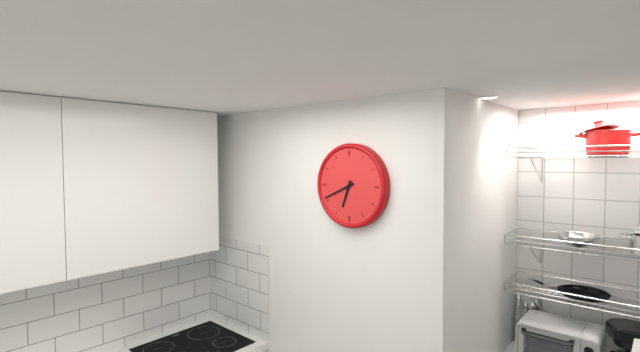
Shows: 6:41
